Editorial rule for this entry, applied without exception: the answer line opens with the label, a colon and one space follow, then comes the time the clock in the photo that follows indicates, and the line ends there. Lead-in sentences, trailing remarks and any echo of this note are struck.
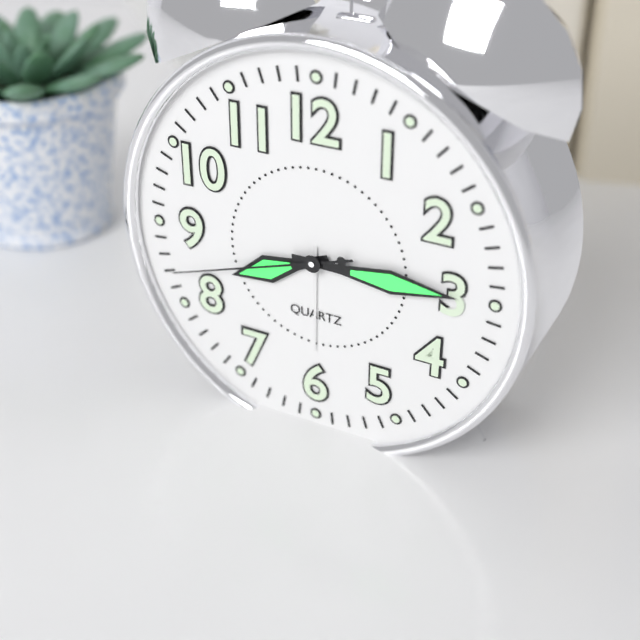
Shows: 8:15:42
